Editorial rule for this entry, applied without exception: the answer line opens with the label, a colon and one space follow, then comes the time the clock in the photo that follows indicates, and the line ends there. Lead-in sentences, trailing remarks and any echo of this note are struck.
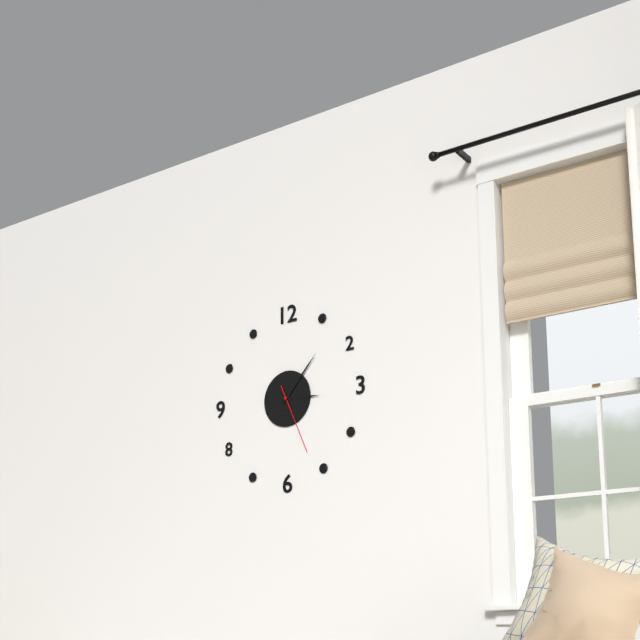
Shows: 3:07:26
